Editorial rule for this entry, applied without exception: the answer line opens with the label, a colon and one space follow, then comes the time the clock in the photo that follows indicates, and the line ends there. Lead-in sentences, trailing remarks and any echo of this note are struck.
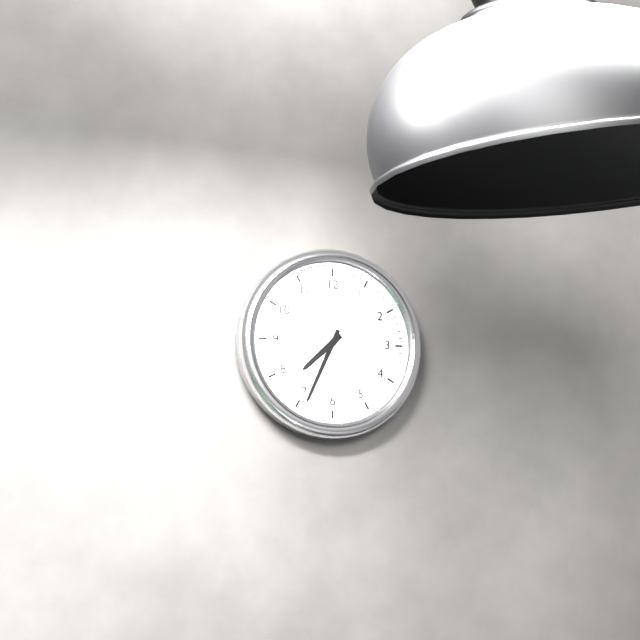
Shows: 7:34
